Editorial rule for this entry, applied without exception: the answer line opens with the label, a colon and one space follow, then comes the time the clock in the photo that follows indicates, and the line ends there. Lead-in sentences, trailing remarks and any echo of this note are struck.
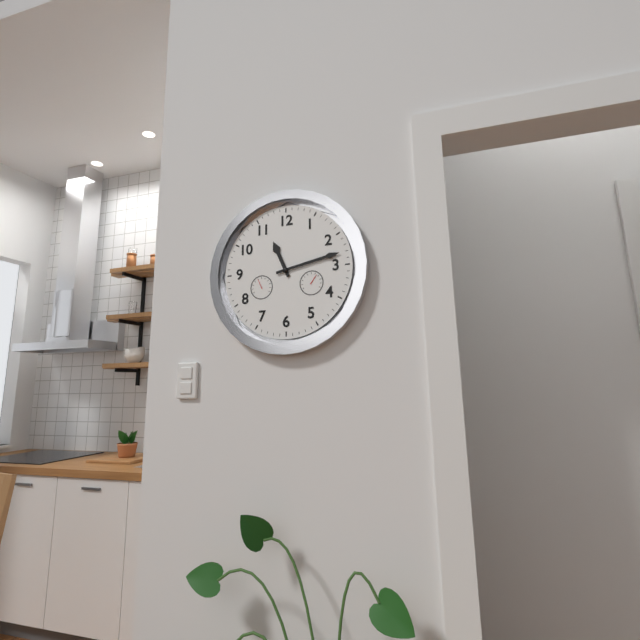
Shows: 11:13
